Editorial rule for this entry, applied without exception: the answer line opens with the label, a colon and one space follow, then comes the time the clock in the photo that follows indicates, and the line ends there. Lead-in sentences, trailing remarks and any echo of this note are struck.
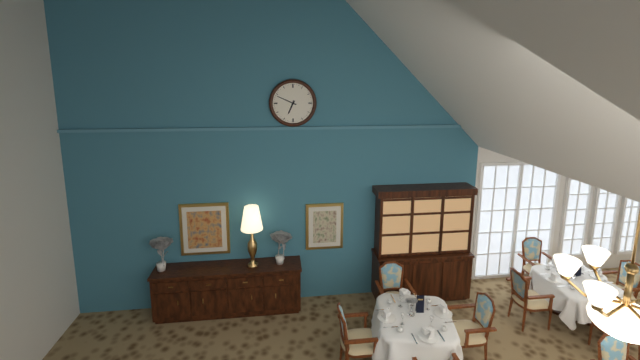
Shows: 6:49
